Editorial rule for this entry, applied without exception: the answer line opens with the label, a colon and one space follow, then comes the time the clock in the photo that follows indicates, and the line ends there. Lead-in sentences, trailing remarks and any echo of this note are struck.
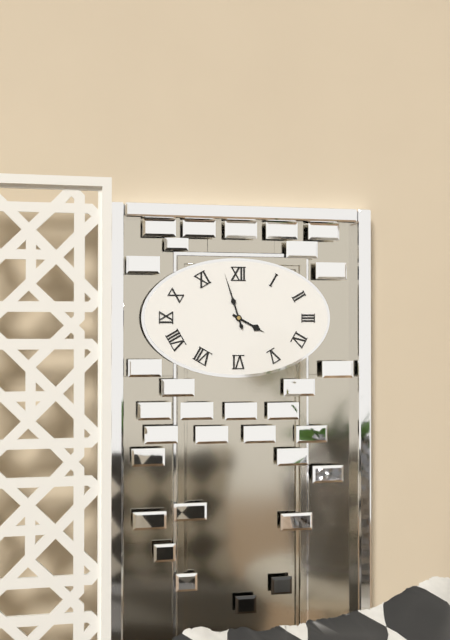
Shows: 3:57
